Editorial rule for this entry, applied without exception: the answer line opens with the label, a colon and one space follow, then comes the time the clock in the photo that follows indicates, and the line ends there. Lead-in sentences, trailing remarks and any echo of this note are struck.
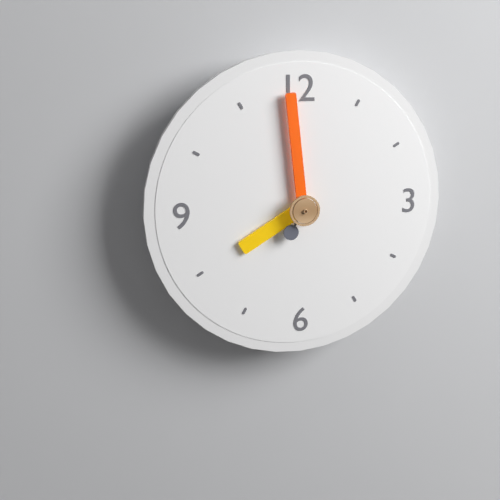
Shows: 7:59
